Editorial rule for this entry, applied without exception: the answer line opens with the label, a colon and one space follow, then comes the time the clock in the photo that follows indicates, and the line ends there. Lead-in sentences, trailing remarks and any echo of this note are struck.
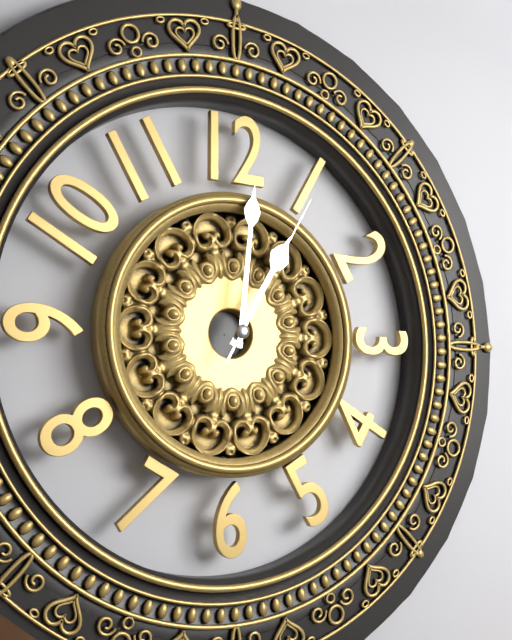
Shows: 1:01:05
